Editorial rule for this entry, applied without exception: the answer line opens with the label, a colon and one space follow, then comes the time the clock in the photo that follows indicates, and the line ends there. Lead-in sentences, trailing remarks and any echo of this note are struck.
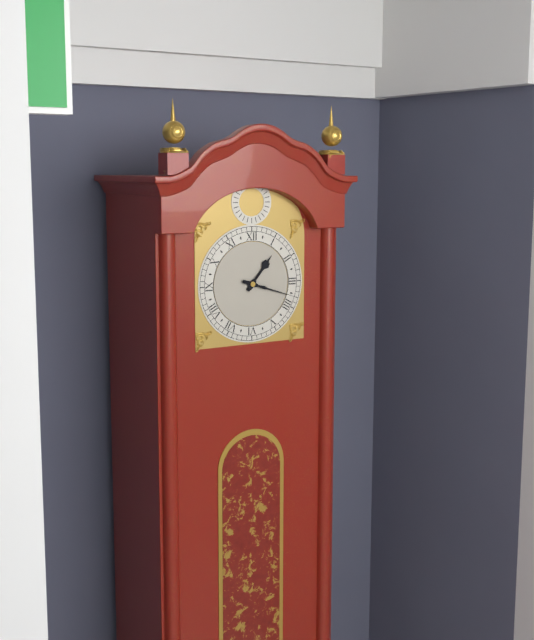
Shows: 1:18
